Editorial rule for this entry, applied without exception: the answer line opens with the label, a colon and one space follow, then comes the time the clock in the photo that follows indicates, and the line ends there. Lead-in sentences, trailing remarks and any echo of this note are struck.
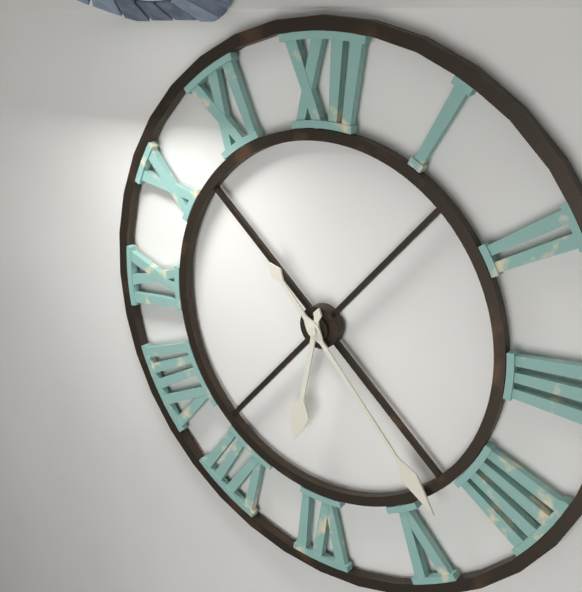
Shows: 6:23
